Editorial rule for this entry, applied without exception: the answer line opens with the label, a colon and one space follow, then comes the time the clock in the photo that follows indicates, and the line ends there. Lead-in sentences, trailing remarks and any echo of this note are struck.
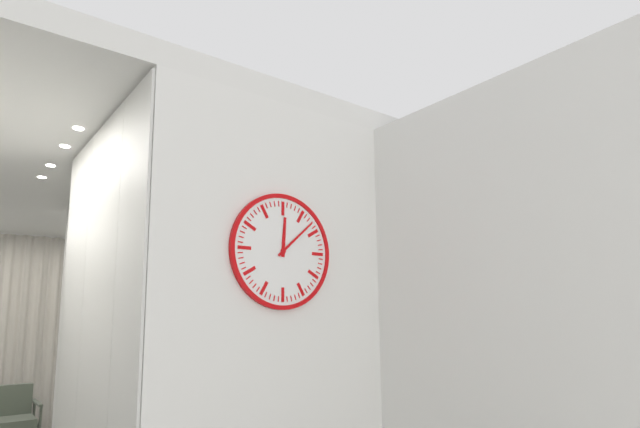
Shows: 12:08
